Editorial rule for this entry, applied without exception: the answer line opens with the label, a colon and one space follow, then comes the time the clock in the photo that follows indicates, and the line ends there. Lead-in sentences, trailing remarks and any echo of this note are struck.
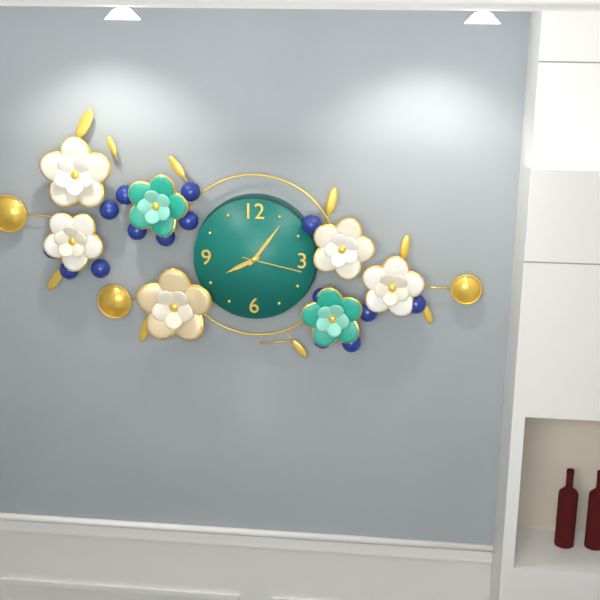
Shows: 8:06:17
